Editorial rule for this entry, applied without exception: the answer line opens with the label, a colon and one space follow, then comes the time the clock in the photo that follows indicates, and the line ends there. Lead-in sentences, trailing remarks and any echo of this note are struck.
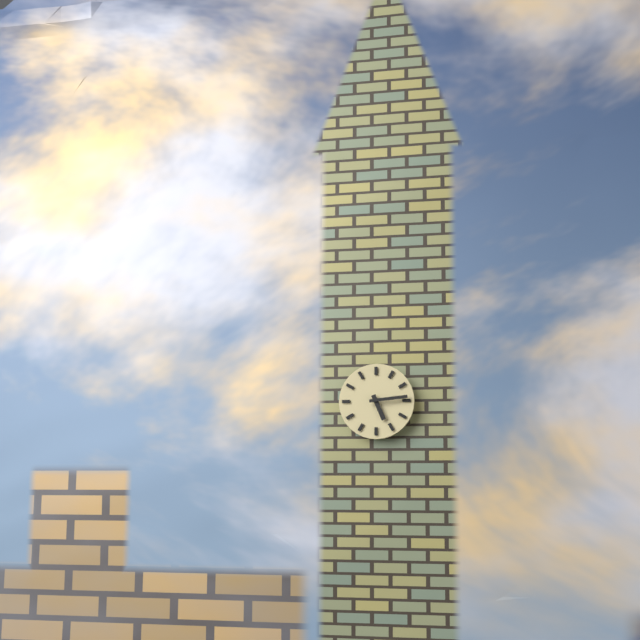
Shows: 5:14
